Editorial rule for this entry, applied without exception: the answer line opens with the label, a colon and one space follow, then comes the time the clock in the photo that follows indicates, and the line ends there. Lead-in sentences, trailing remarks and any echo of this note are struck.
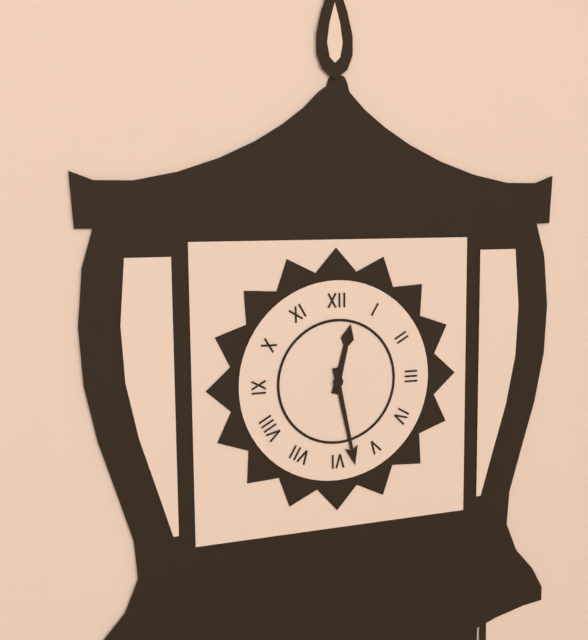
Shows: 12:28
